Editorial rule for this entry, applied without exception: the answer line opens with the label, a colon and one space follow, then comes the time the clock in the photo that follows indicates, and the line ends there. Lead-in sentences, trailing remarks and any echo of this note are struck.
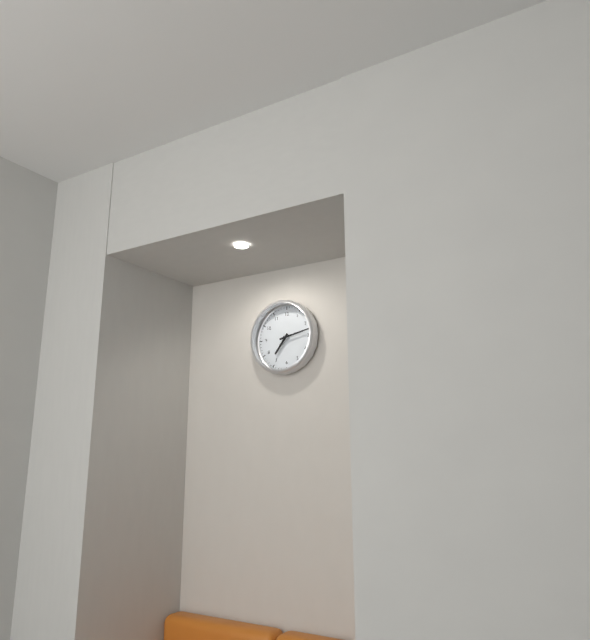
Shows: 7:13
